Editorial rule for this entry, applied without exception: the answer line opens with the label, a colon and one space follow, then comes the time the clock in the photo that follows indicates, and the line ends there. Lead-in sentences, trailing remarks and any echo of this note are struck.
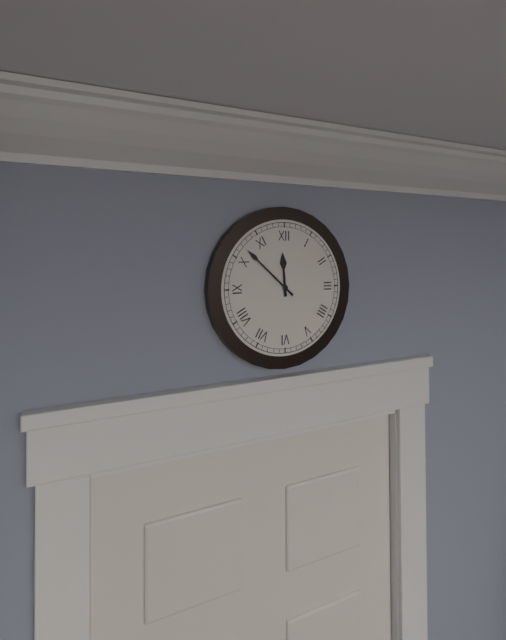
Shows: 11:52
